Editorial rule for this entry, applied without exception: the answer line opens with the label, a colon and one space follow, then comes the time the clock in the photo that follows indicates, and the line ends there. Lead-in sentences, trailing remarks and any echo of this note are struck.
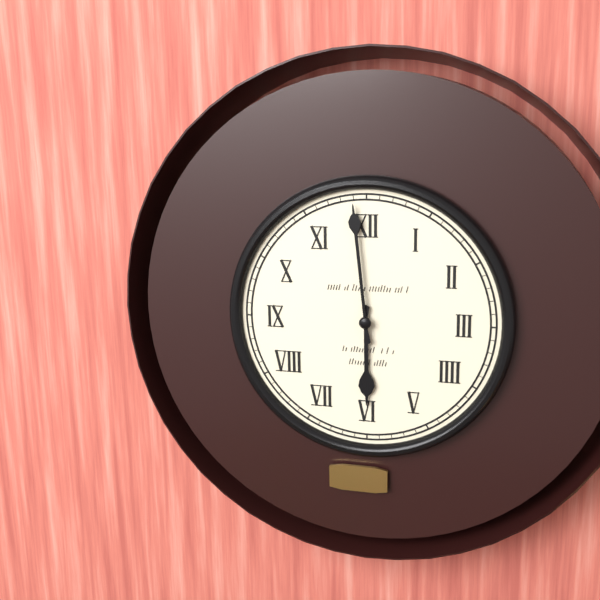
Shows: 5:59
